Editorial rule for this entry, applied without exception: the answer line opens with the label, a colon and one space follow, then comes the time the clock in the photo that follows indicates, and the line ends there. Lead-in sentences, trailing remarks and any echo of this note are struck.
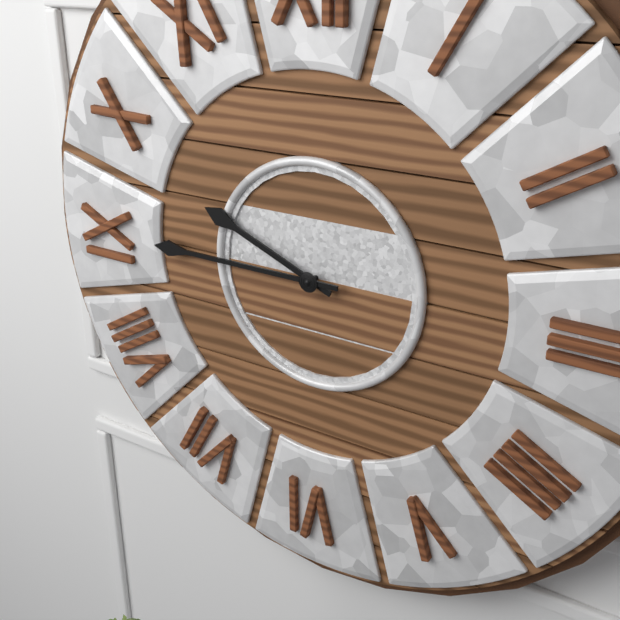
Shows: 9:45
